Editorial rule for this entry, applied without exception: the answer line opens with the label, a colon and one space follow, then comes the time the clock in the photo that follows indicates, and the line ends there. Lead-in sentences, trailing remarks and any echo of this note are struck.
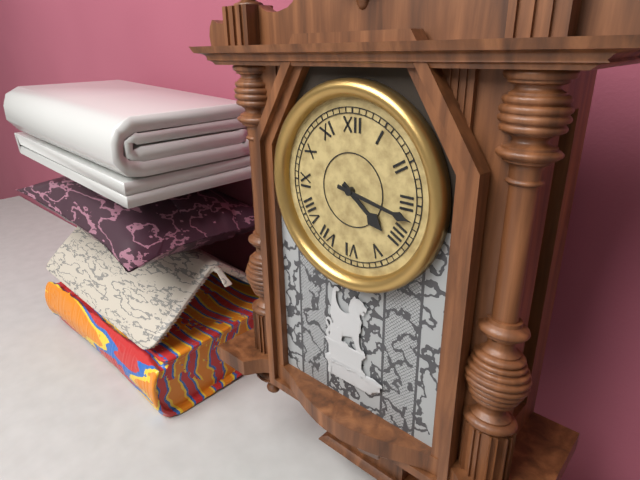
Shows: 4:17
